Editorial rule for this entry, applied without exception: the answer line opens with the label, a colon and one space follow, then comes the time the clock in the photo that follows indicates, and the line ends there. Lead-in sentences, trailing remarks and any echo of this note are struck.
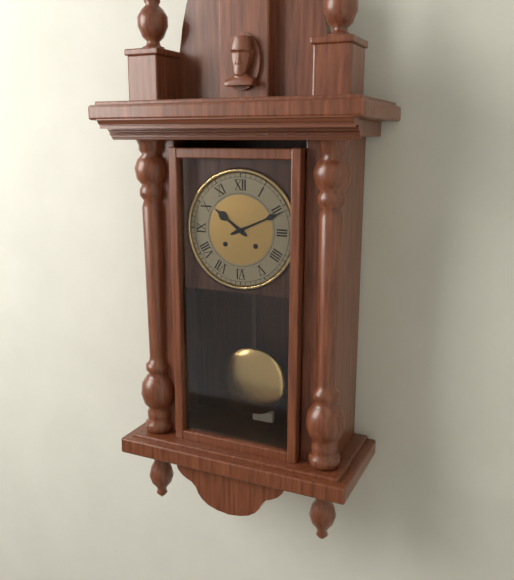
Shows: 10:11
